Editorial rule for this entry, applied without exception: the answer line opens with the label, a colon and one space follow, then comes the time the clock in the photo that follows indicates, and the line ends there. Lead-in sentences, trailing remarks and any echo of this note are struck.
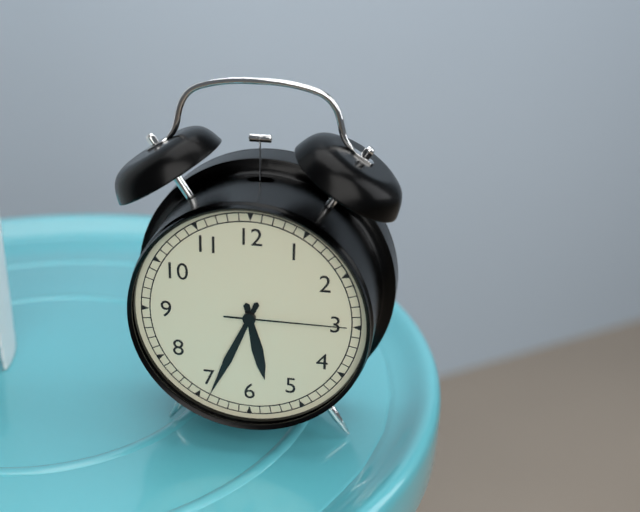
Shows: 5:34:15
